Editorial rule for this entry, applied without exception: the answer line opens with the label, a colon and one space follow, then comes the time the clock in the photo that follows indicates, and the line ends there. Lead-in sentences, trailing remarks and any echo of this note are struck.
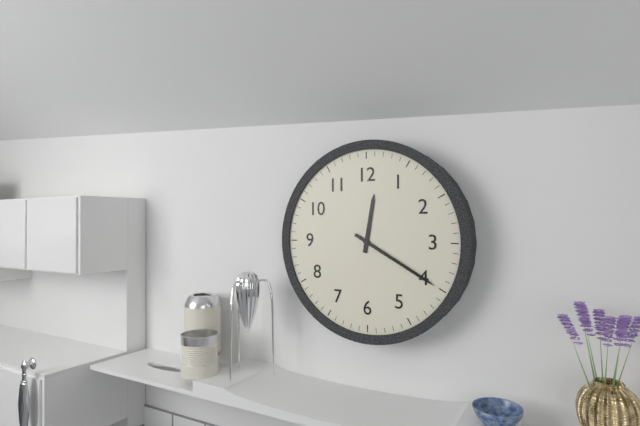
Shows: 12:20
